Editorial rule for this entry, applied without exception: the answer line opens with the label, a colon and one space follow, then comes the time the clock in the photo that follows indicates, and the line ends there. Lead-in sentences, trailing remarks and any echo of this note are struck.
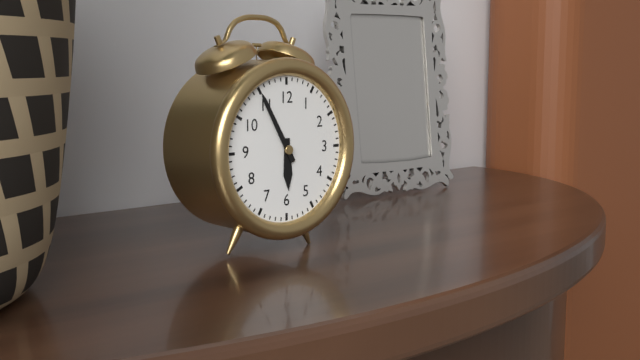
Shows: 5:55
